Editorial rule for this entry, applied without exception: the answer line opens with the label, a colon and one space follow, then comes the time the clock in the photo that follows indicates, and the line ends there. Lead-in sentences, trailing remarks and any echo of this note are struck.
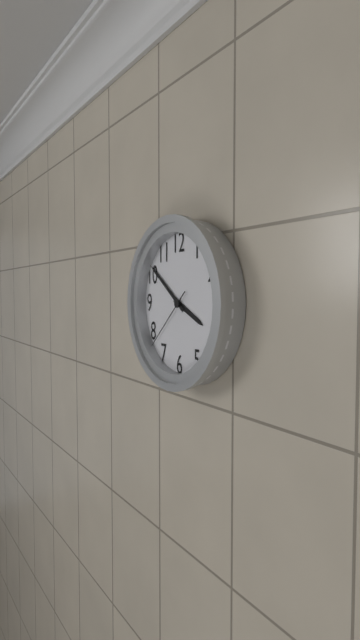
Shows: 3:51:38
